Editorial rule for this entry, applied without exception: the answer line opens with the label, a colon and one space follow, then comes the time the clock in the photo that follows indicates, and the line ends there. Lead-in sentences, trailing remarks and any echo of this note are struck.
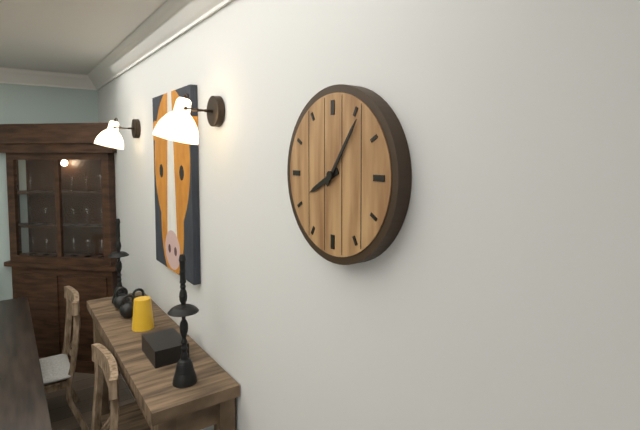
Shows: 8:06
